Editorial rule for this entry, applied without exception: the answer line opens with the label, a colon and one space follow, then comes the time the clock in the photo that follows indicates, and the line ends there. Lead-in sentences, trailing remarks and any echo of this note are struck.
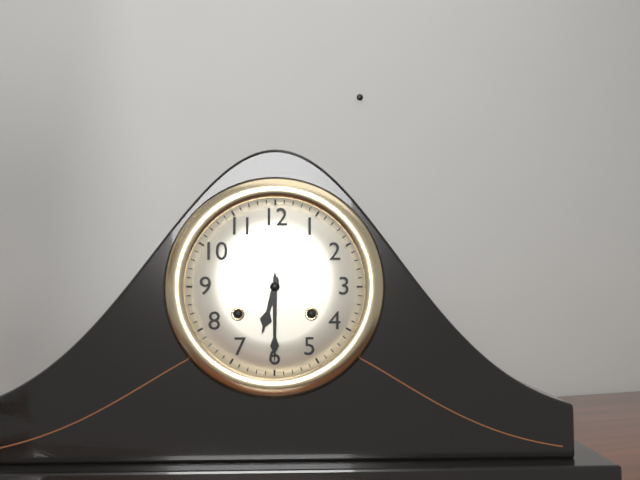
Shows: 6:30
